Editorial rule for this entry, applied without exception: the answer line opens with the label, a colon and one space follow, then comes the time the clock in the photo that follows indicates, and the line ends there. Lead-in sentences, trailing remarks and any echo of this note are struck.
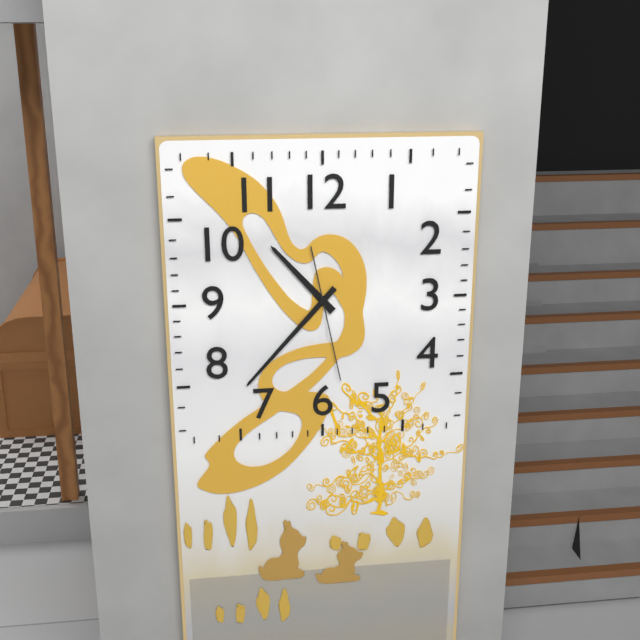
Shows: 10:37:28
